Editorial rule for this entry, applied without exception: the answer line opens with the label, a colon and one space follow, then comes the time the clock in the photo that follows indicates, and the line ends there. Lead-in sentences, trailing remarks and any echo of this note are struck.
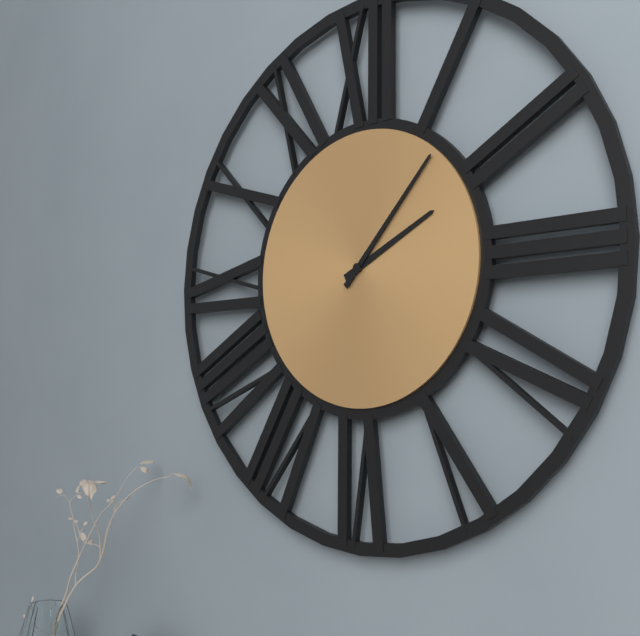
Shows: 2:07
